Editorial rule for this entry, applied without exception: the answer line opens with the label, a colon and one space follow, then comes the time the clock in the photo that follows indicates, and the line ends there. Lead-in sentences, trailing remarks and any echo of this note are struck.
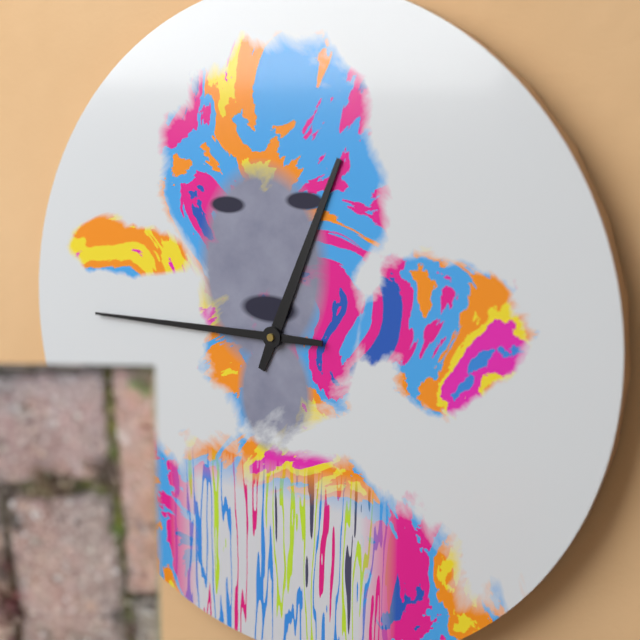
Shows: 12:45
